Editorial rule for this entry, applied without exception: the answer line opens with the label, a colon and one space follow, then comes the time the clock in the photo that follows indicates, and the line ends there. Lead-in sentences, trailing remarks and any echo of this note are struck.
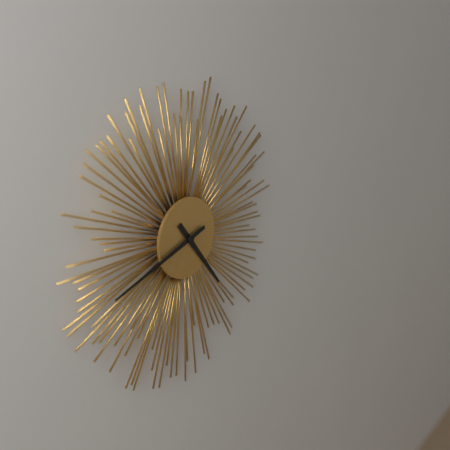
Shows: 4:42
